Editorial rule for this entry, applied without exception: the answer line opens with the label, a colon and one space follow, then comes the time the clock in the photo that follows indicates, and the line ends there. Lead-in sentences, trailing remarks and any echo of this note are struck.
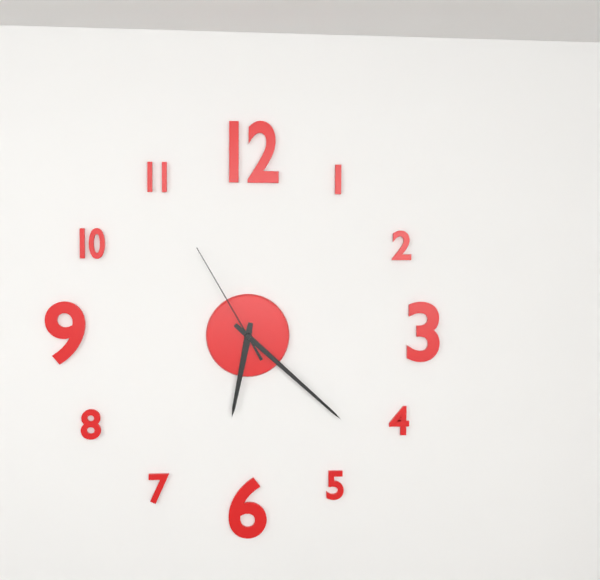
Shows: 6:22:55
